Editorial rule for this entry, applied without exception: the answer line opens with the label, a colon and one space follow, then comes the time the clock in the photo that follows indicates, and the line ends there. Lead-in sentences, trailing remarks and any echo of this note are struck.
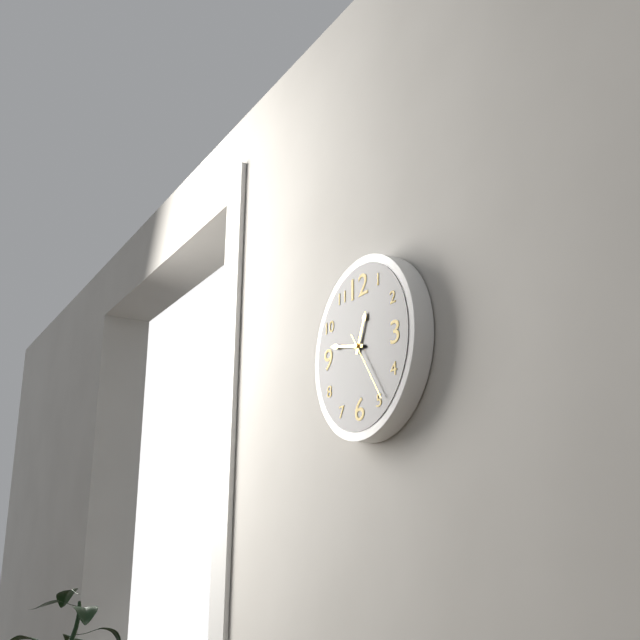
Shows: 12:47:24
